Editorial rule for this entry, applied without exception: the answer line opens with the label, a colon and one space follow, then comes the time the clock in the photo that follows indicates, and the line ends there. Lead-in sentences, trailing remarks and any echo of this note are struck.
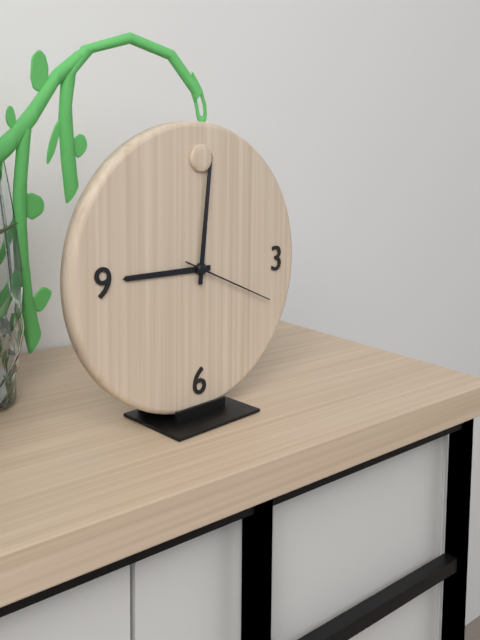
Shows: 9:01:19
